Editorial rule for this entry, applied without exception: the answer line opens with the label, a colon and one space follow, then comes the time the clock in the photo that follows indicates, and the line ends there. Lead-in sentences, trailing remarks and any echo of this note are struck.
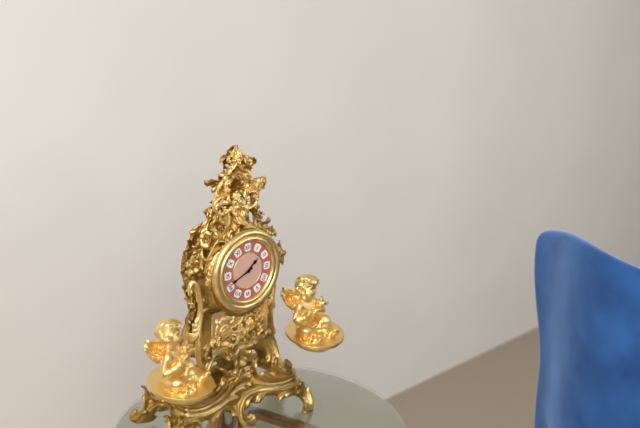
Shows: 1:41
